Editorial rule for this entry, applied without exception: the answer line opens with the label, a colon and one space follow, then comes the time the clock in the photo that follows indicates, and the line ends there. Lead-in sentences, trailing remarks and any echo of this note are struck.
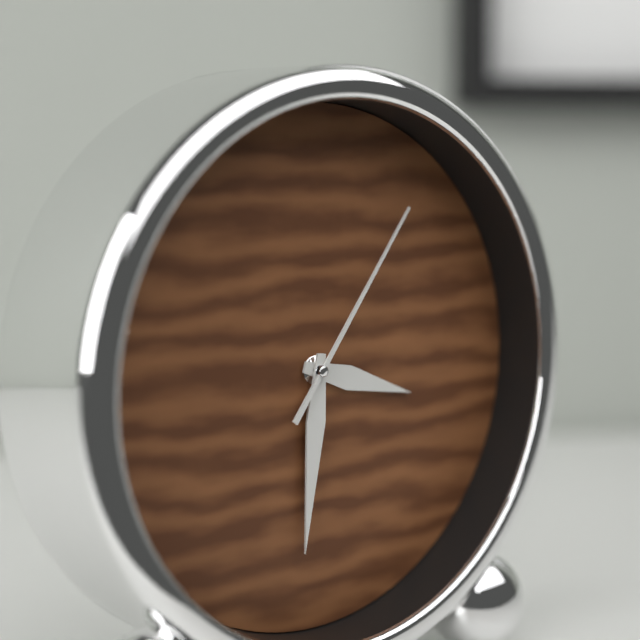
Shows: 3:31:06
